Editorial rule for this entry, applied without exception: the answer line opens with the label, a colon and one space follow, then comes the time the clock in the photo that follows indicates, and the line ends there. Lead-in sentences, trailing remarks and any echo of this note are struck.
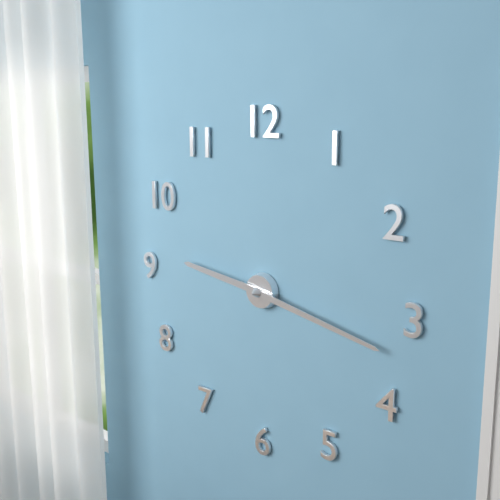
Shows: 9:17
